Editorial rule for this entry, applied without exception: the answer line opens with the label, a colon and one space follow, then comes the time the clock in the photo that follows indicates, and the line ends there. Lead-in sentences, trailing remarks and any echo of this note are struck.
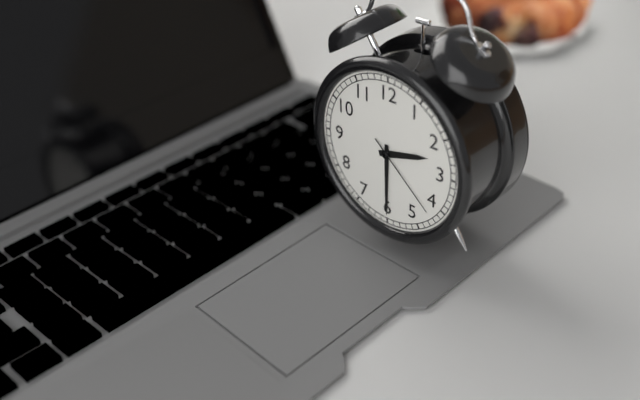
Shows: 2:30:22
